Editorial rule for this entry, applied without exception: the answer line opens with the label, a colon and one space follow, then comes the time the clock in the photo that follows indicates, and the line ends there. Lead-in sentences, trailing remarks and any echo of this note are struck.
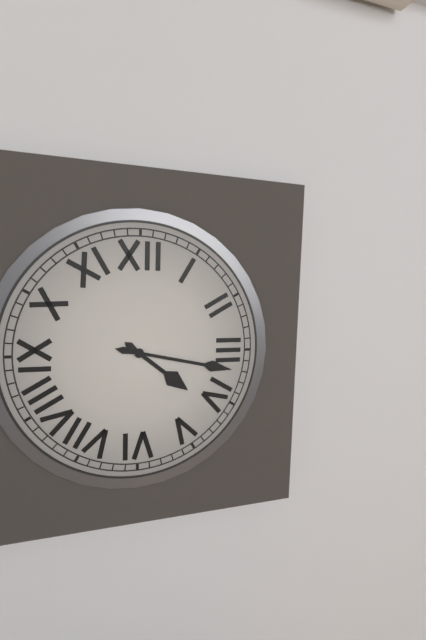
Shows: 4:17
